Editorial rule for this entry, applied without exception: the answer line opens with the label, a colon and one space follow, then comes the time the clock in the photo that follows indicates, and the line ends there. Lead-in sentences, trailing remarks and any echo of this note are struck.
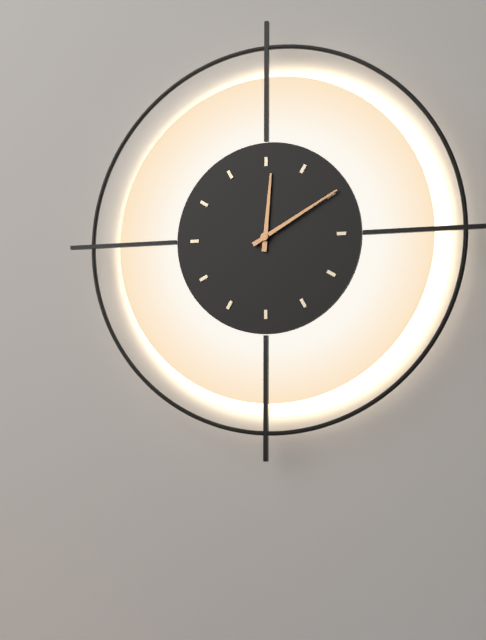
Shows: 12:10
